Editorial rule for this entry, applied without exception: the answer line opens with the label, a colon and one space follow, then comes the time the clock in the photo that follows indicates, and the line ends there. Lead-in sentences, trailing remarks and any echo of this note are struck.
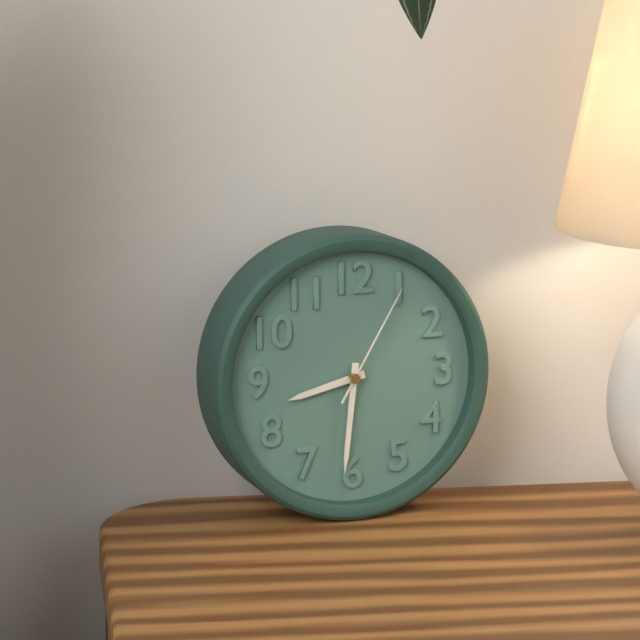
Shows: 8:31:05
